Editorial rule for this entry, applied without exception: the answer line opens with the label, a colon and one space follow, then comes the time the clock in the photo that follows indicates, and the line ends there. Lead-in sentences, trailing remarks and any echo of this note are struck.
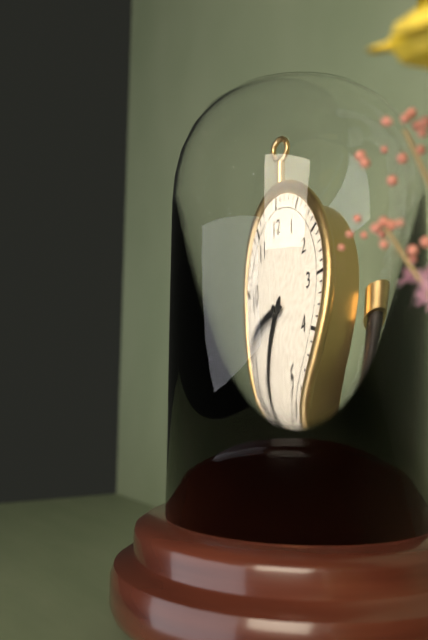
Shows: 7:47
